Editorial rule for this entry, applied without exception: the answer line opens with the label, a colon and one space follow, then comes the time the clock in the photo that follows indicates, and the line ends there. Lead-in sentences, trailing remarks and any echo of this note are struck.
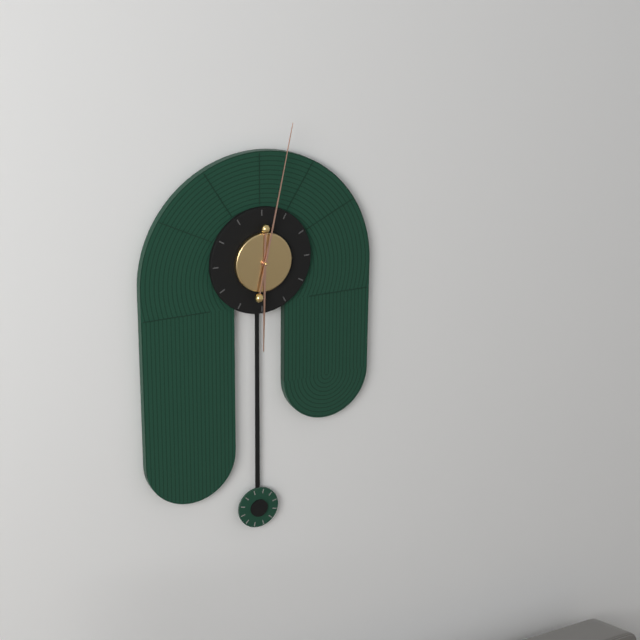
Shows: 6:02
